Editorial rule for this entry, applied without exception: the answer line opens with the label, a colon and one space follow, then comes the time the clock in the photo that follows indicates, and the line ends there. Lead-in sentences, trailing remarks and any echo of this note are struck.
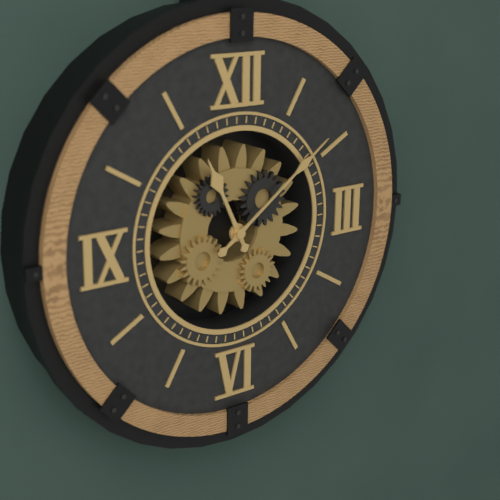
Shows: 11:09
